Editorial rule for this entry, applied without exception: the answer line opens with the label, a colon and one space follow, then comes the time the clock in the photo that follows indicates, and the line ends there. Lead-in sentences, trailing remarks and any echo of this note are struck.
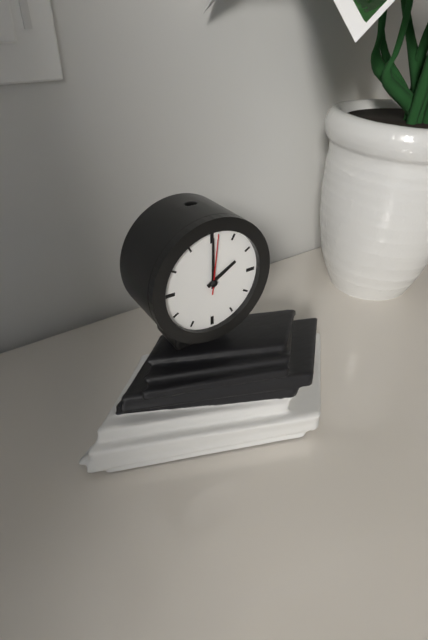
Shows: 2:00:01
